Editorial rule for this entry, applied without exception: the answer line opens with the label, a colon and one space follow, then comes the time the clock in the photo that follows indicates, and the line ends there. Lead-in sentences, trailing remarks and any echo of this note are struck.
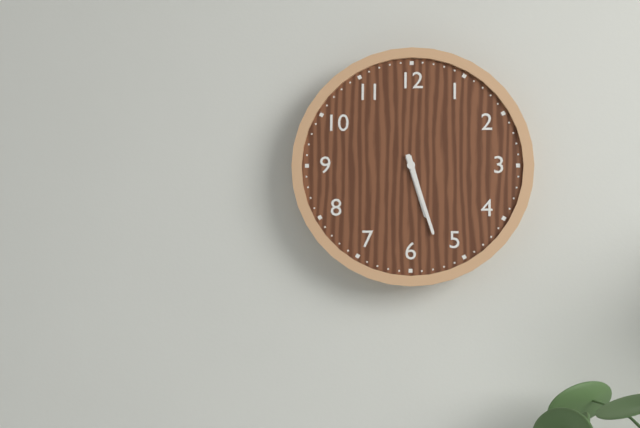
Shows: 5:27
